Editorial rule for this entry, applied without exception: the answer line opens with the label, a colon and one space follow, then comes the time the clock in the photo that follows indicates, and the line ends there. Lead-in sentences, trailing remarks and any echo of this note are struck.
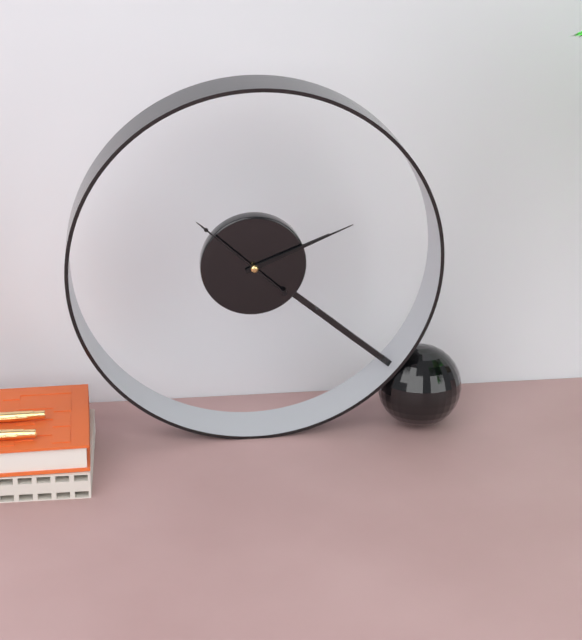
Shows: 2:11:52
